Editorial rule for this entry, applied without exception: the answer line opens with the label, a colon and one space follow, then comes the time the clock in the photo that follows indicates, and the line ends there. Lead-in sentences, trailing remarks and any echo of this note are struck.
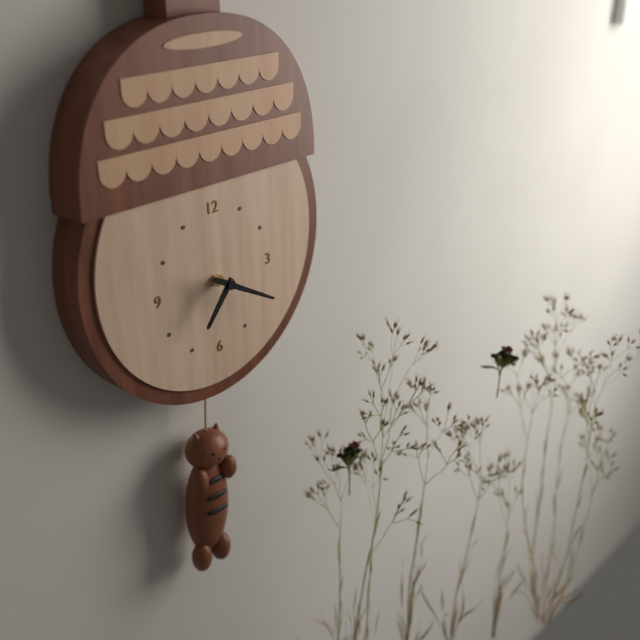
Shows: 7:20
